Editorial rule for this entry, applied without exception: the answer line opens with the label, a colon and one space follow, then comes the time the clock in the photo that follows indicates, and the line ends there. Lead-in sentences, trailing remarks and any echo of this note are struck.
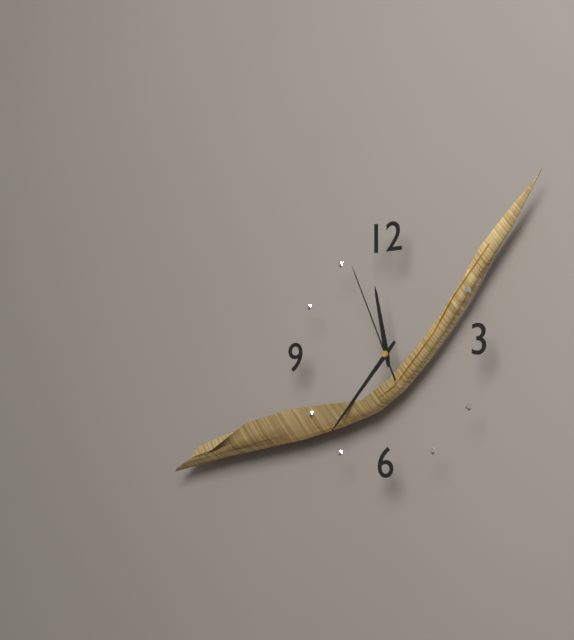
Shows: 11:37:56
